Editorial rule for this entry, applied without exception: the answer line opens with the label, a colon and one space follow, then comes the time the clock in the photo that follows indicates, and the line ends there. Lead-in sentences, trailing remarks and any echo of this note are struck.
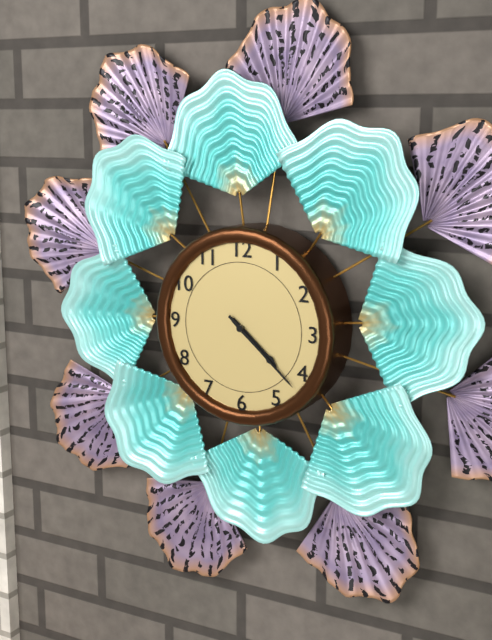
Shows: 4:22
